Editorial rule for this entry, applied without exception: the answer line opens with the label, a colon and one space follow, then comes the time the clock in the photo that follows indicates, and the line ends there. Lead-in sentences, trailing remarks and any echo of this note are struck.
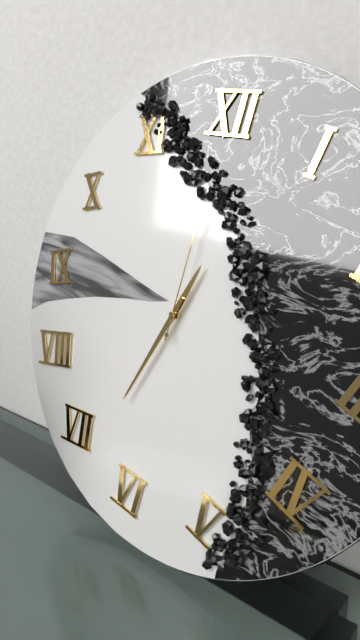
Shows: 12:33:00
